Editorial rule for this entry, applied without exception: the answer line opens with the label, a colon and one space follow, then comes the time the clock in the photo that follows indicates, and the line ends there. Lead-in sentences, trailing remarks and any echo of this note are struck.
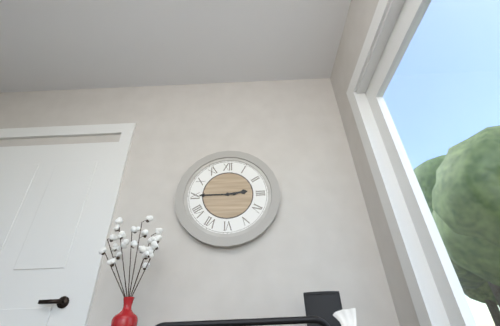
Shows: 2:45
